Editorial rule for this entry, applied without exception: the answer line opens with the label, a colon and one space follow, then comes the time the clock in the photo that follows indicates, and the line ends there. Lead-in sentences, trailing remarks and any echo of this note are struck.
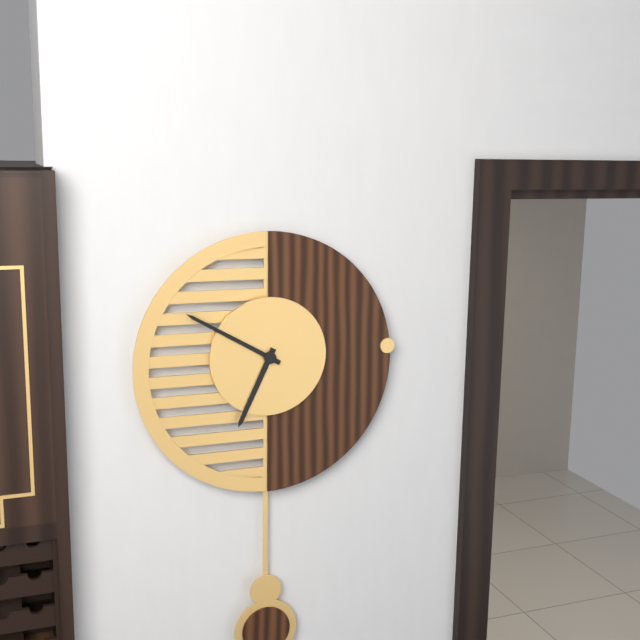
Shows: 6:50
